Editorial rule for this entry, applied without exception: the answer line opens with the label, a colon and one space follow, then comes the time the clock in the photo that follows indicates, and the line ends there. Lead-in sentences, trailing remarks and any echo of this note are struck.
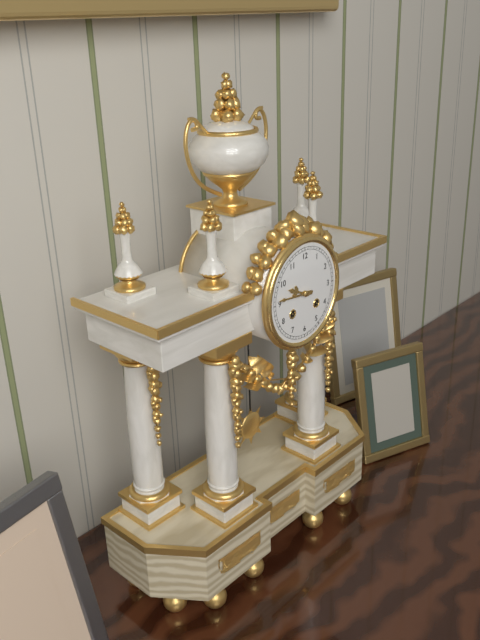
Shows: 9:46
